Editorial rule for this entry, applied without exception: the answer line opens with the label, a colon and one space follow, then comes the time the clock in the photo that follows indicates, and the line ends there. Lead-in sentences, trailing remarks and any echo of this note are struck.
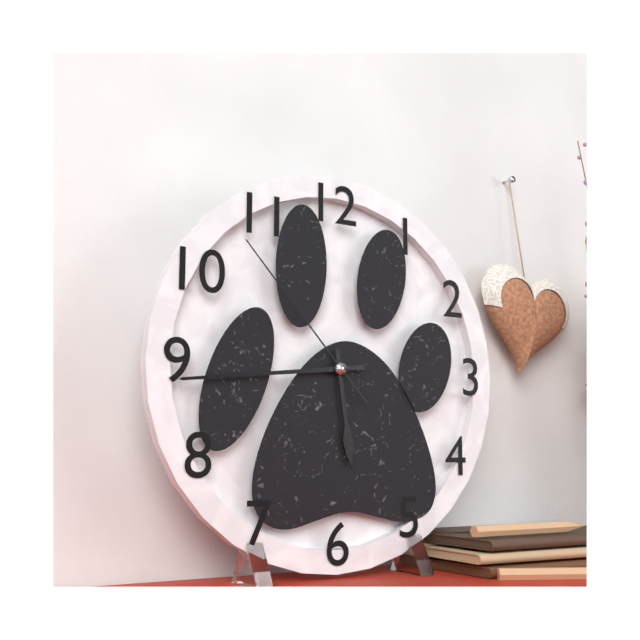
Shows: 5:44:53
